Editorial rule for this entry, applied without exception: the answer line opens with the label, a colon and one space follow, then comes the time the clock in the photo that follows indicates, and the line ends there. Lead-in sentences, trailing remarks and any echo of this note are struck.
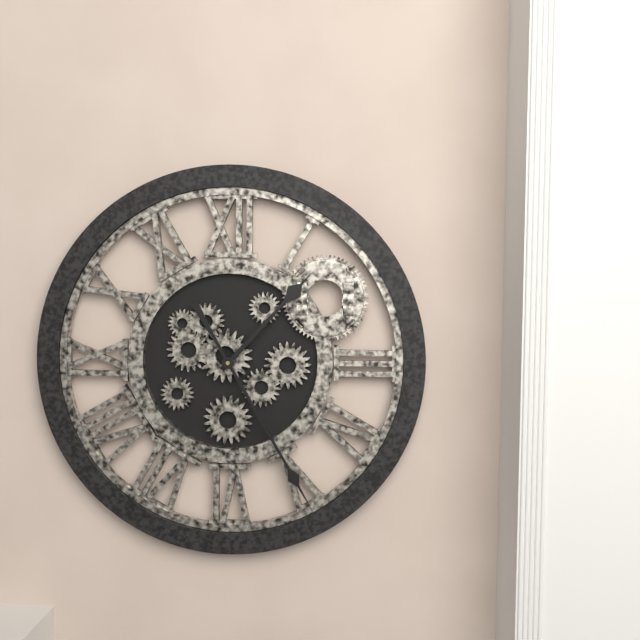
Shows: 1:25
